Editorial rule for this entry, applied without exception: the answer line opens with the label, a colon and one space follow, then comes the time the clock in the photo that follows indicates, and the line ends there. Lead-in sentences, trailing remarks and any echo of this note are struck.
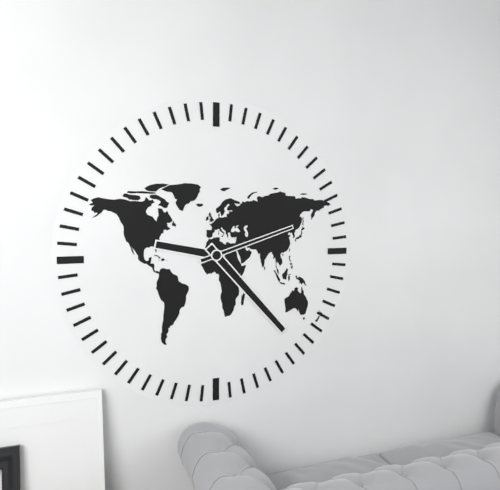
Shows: 9:23:12
